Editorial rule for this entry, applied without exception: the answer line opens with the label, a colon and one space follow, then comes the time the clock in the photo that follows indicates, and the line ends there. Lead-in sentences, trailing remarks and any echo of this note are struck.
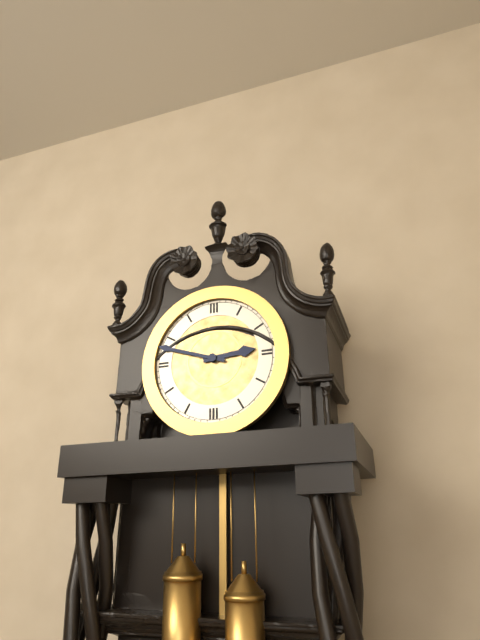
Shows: 2:48
